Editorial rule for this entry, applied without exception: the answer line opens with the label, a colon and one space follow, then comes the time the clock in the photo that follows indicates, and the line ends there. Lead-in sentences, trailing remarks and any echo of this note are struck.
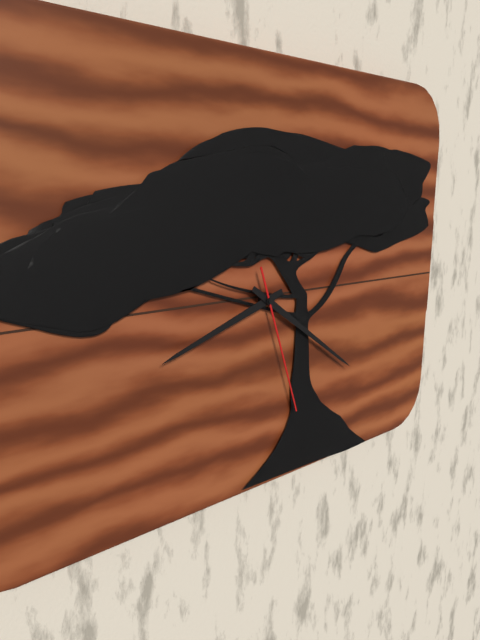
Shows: 8:21:27
